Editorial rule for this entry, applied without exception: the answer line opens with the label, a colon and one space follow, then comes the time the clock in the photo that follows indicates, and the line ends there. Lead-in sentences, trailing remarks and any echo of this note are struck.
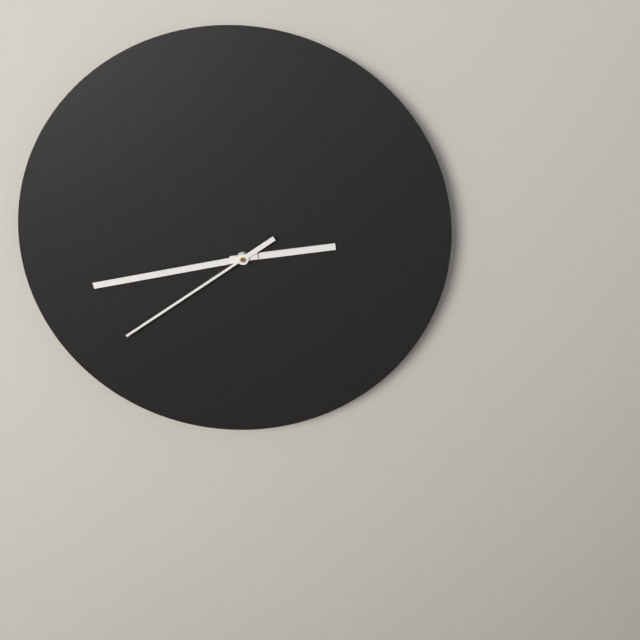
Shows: 2:43:39
